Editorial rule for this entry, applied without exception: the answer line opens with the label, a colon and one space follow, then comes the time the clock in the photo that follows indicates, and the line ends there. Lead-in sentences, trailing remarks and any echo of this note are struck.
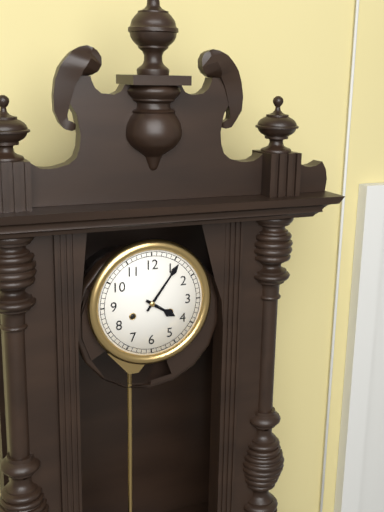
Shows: 4:06
